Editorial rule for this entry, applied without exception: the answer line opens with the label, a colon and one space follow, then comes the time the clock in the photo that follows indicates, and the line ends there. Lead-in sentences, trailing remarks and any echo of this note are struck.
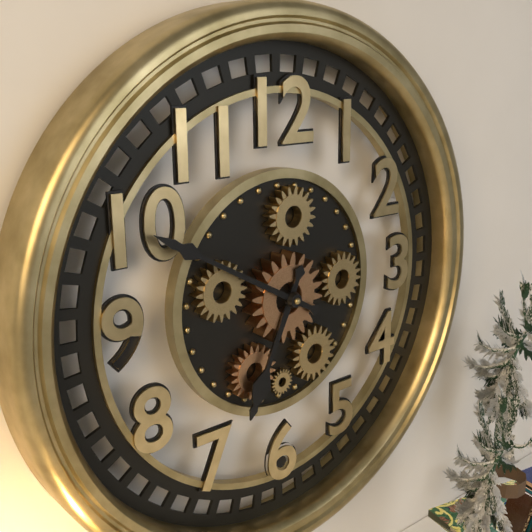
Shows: 6:50
